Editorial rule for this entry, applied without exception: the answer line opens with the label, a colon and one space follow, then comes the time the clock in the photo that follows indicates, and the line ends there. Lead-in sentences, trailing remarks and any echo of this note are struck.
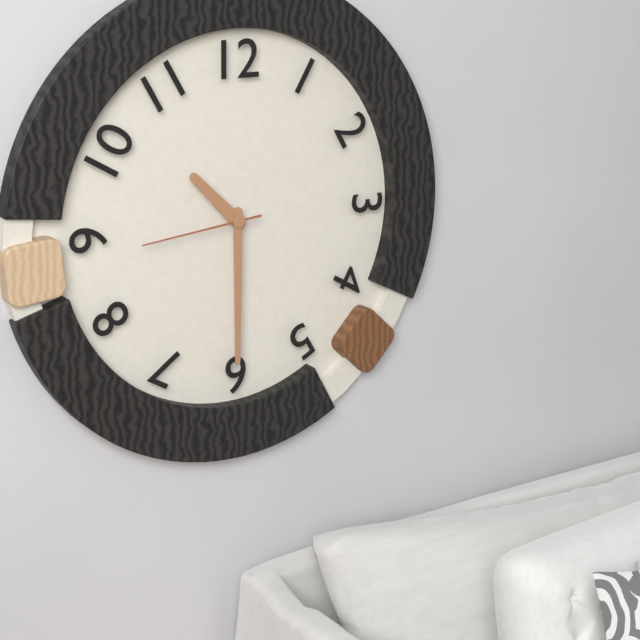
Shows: 10:30:44
